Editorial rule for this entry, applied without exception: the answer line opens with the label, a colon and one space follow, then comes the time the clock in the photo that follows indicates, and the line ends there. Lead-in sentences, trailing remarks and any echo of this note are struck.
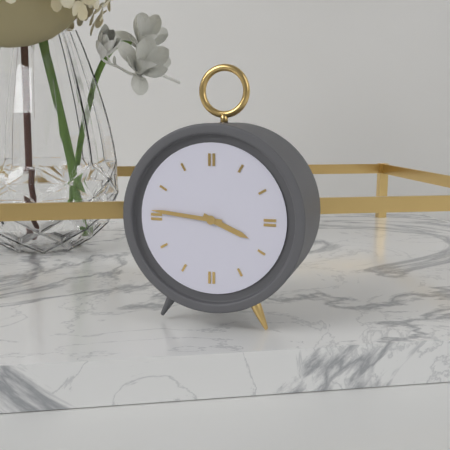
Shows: 3:46
